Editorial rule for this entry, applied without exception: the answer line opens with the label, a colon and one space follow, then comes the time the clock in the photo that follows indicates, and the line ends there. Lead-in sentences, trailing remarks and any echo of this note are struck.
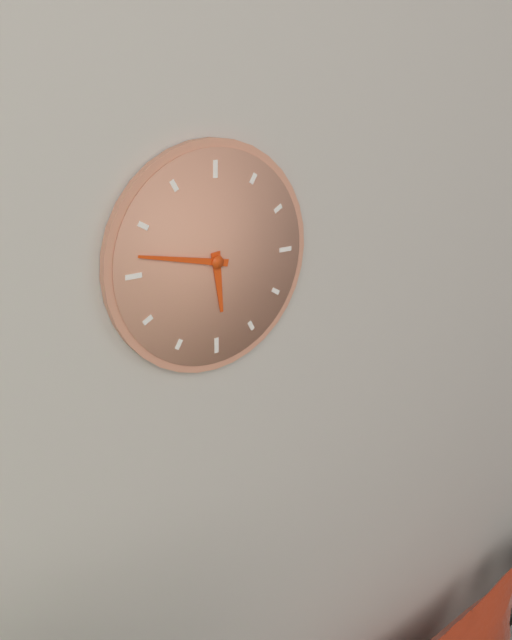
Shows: 5:47
